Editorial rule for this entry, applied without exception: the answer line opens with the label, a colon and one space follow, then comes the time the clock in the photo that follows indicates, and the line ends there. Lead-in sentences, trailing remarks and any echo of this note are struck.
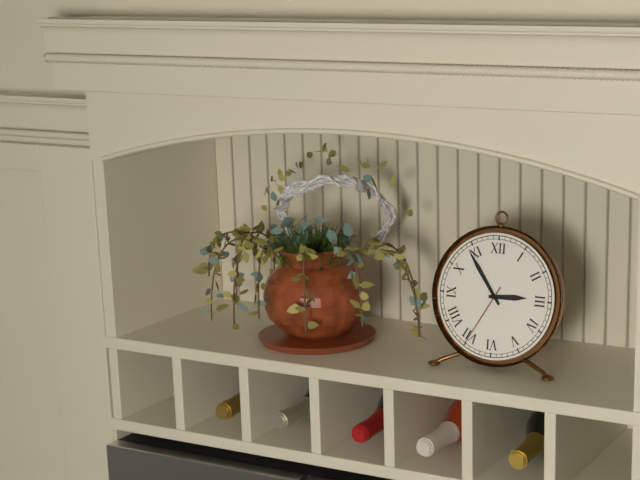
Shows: 2:54:35
